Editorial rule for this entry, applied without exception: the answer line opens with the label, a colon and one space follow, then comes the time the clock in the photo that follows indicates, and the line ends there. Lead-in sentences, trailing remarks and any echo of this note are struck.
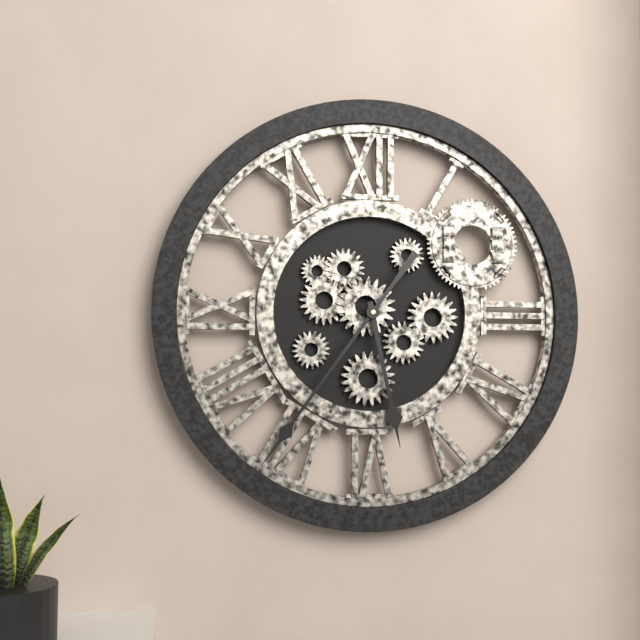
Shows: 5:36
